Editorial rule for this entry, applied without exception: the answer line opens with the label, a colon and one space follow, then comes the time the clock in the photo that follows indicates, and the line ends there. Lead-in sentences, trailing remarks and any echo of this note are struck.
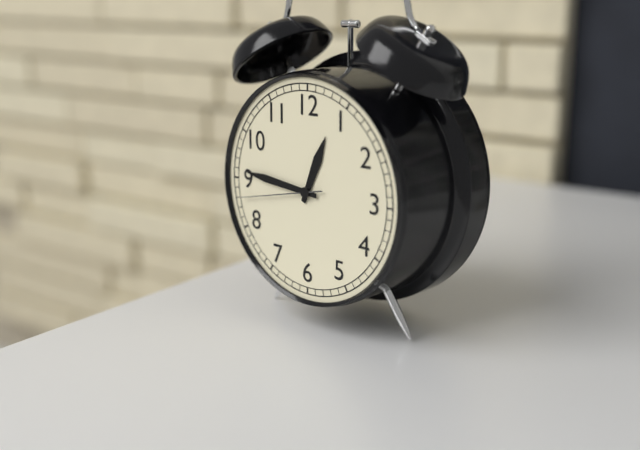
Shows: 12:46:43
